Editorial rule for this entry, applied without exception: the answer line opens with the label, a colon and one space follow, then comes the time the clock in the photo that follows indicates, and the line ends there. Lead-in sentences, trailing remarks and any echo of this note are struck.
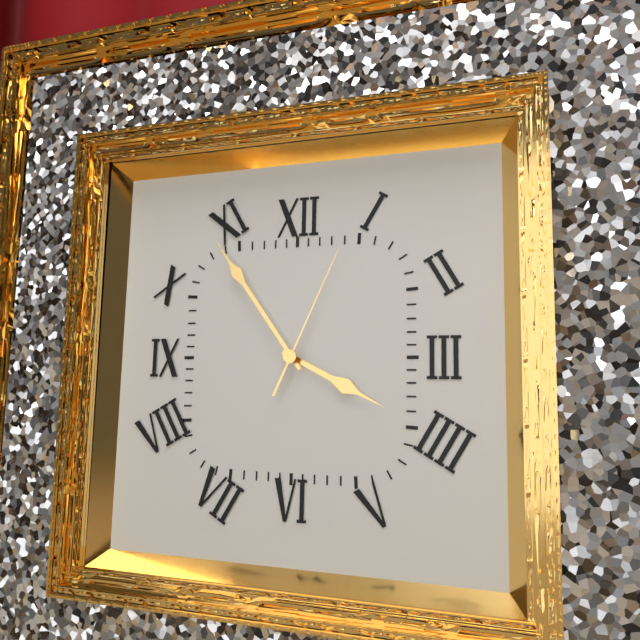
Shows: 3:54:04
